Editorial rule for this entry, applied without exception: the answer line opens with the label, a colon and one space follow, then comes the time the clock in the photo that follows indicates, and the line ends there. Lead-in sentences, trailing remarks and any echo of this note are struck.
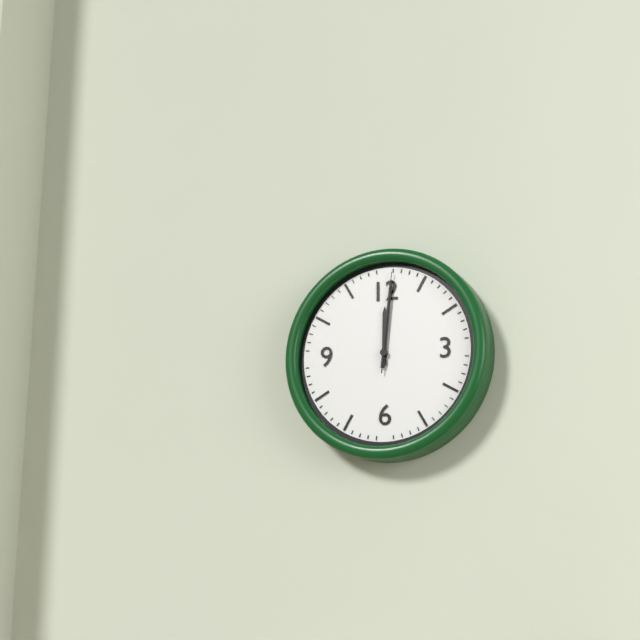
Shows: 12:01:01
